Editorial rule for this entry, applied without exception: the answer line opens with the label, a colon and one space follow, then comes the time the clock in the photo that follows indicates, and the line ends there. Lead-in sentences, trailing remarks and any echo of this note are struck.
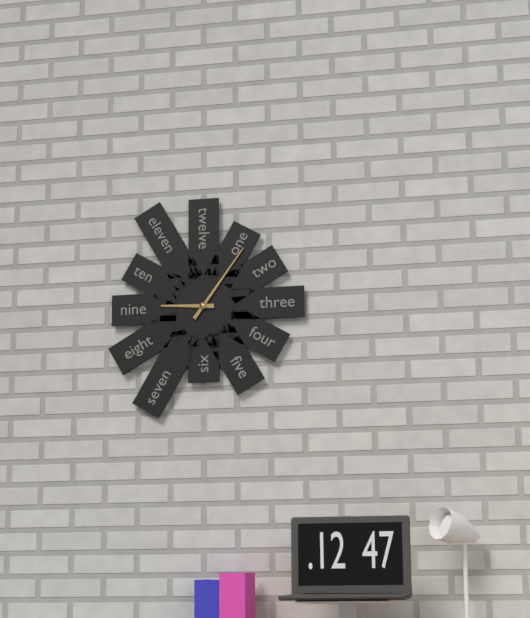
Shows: 9:06
